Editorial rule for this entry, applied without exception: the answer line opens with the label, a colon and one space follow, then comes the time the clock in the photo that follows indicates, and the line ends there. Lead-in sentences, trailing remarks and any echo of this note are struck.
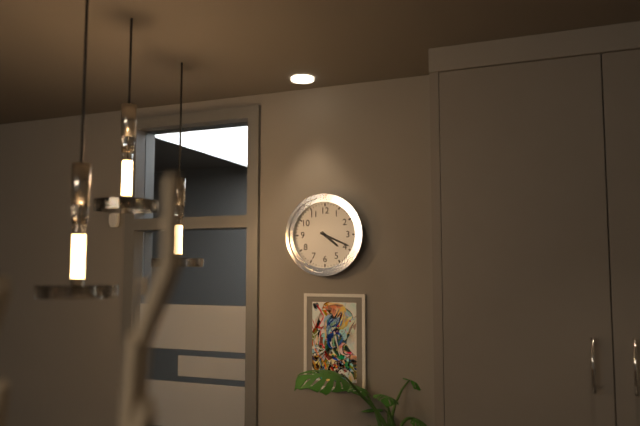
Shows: 4:19
